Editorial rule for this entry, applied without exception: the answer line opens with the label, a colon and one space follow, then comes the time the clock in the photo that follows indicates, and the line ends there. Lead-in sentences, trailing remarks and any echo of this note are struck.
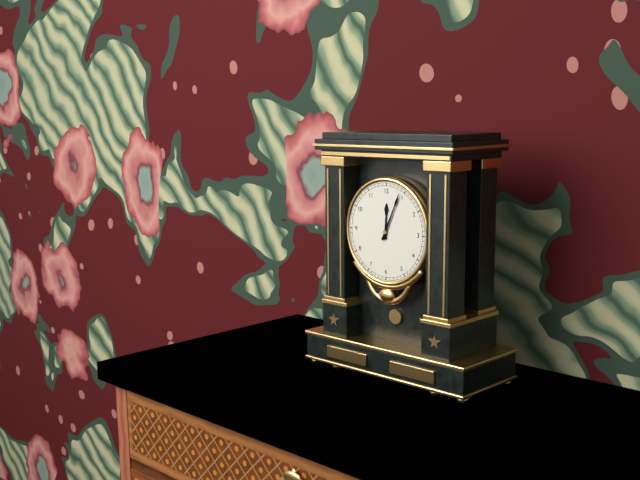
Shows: 12:04
